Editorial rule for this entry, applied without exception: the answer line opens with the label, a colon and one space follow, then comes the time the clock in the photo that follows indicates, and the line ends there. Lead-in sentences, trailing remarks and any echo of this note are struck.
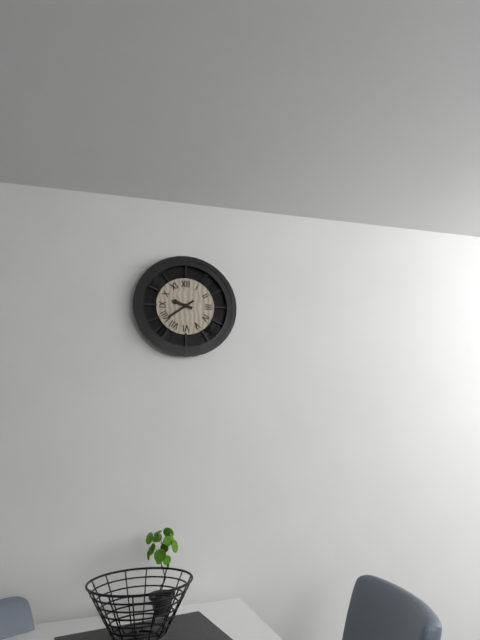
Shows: 9:39
